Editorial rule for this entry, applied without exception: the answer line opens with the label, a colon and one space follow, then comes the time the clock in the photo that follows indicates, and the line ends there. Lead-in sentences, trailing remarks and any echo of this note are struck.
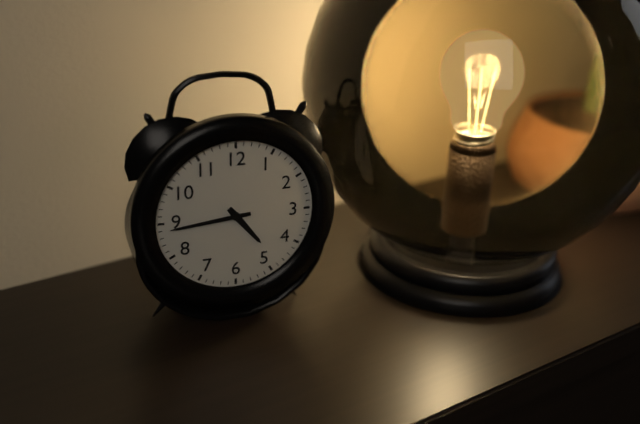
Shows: 4:44
